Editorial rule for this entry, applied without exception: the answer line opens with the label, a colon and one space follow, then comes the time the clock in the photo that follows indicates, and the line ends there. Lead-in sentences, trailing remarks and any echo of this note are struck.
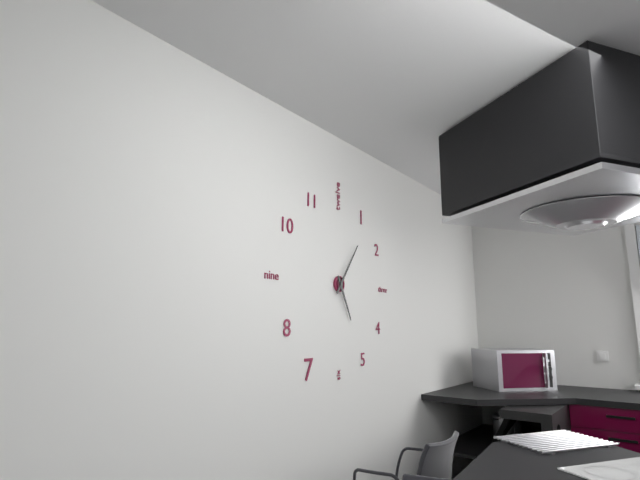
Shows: 5:06
